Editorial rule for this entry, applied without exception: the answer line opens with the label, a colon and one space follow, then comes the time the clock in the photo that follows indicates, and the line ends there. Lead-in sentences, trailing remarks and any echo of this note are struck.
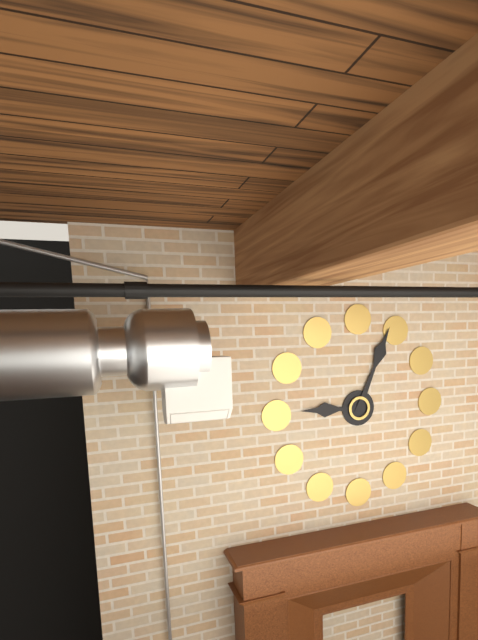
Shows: 9:04
